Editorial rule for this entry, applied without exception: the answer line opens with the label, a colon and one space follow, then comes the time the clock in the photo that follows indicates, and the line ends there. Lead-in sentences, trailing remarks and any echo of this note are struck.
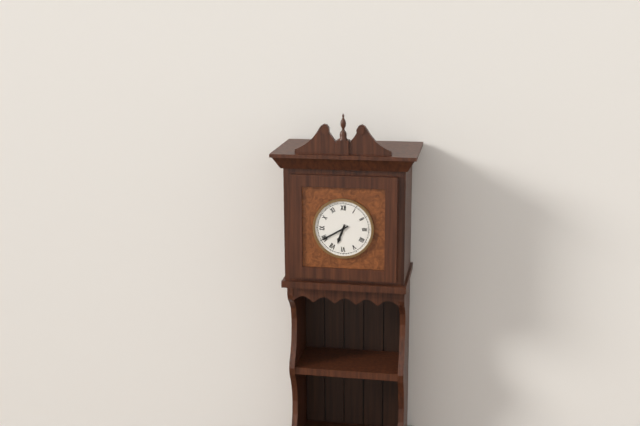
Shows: 6:40
